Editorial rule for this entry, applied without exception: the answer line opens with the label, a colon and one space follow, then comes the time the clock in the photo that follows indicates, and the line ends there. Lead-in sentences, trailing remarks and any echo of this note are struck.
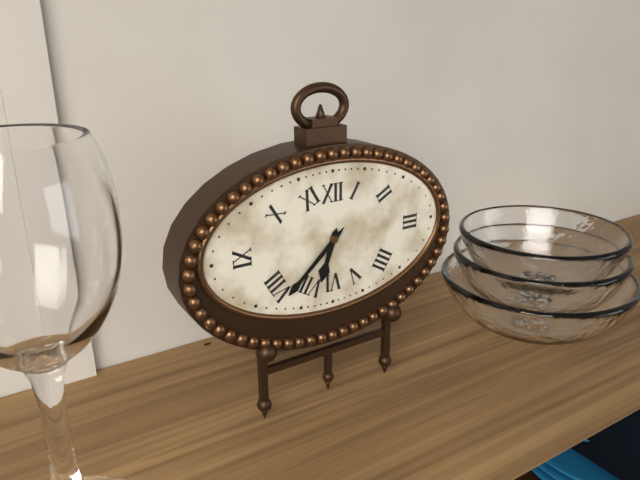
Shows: 6:38
